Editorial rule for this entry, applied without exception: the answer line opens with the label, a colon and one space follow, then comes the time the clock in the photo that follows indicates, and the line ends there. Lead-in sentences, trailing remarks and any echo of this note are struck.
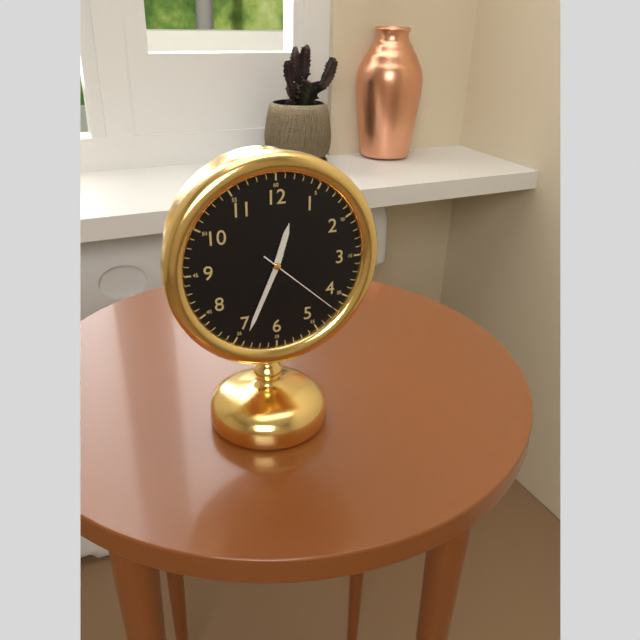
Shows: 12:34:22
